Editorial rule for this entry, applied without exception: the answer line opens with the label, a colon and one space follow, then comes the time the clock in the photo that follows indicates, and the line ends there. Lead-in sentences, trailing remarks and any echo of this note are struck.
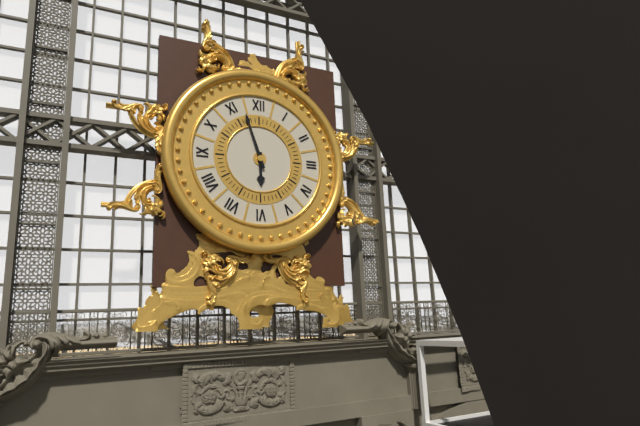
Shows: 5:57
